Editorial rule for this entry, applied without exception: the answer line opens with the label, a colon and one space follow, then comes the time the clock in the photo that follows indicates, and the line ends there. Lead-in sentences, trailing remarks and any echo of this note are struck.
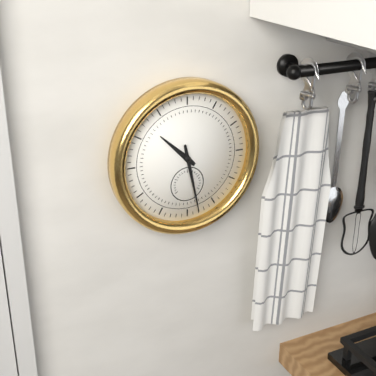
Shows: 10:28
